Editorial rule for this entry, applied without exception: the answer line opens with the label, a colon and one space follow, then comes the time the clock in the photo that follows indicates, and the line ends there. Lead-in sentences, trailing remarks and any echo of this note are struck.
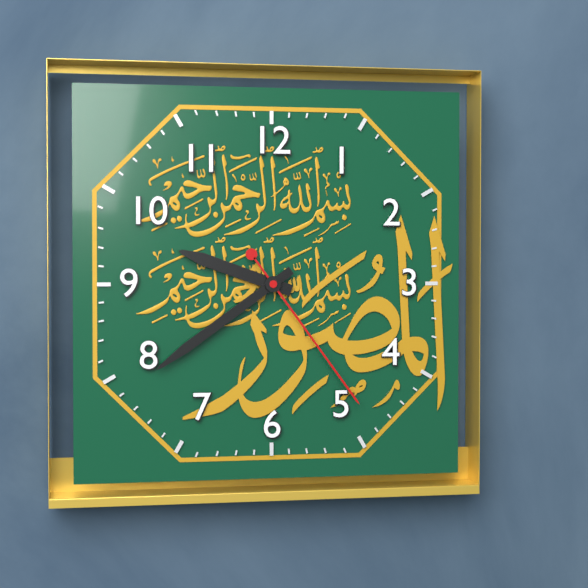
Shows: 9:39:24
